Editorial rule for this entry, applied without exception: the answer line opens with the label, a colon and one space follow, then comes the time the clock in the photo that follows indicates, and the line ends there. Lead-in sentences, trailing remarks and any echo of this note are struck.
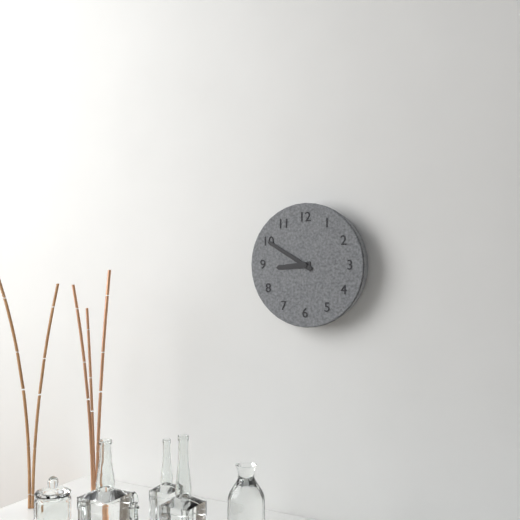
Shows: 8:50
